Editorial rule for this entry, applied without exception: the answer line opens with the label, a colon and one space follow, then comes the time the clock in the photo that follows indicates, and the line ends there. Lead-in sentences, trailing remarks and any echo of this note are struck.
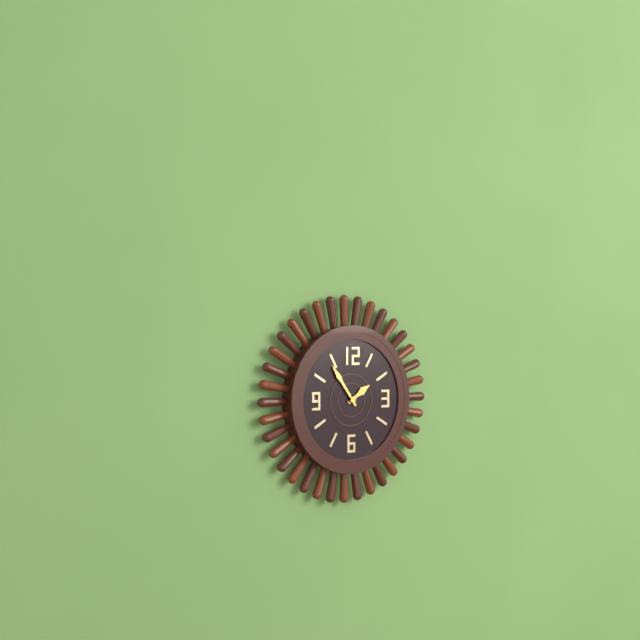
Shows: 1:54
